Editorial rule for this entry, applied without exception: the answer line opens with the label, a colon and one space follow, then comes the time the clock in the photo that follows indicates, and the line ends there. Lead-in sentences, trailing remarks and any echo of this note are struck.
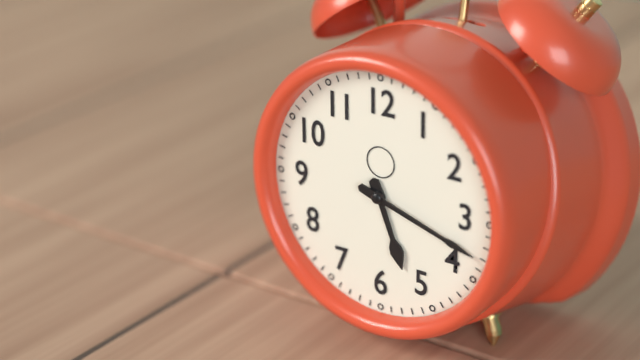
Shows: 5:18
